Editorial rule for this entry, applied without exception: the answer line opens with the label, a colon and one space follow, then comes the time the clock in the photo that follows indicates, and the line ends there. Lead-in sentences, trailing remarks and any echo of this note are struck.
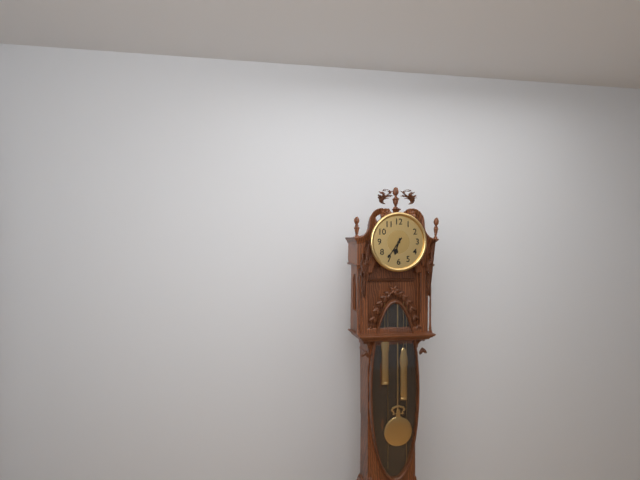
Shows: 6:36
